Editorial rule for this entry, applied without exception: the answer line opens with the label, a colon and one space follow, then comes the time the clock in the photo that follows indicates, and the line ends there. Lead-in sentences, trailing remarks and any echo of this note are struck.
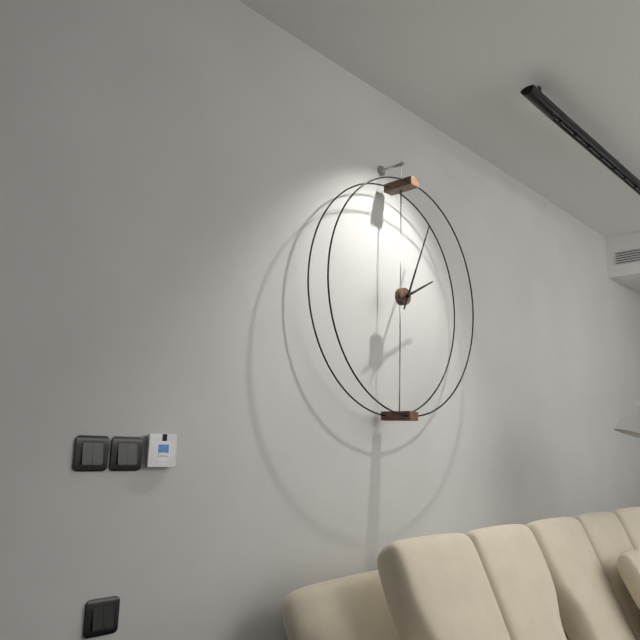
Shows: 2:04
